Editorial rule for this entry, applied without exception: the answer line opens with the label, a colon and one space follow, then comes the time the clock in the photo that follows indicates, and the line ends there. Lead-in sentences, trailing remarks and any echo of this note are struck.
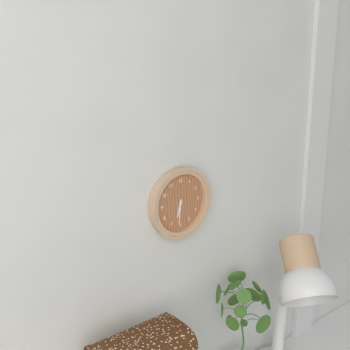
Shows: 6:31
